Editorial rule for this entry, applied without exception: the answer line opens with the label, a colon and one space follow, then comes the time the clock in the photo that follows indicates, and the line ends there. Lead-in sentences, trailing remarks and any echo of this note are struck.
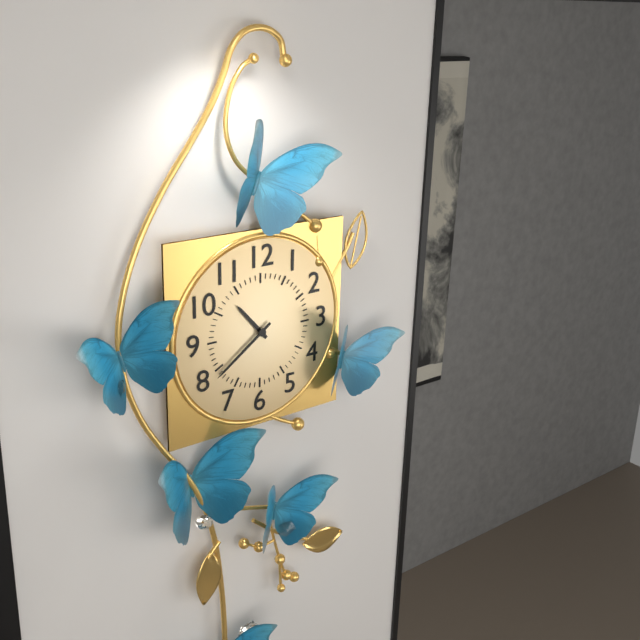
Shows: 10:39
